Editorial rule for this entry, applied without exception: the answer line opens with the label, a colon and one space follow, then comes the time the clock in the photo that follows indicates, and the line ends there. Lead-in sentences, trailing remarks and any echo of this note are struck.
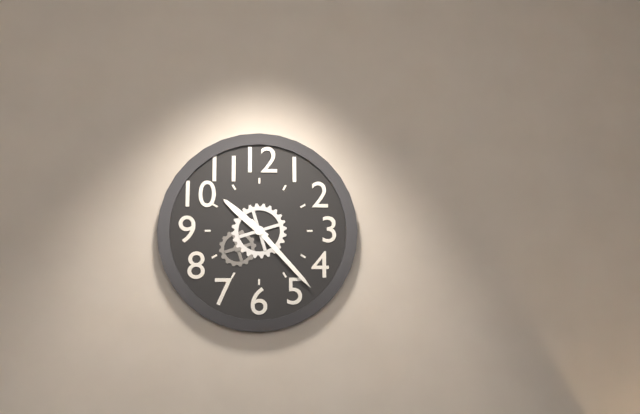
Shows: 10:23
